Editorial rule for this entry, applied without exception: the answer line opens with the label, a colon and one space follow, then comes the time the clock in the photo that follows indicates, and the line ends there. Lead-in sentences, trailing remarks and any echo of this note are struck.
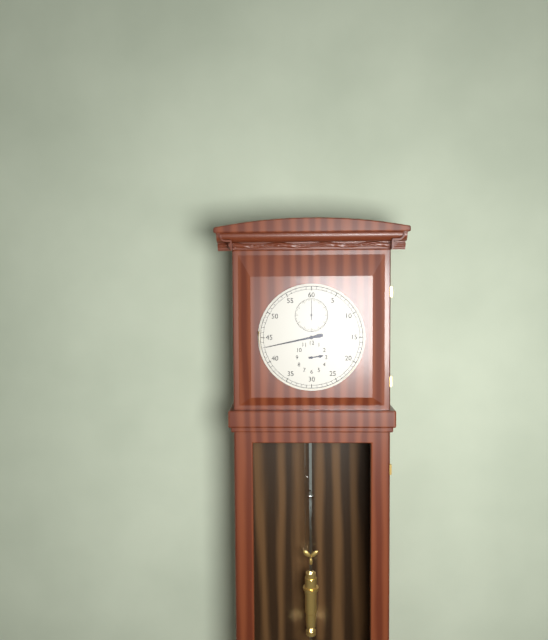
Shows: 2:43
